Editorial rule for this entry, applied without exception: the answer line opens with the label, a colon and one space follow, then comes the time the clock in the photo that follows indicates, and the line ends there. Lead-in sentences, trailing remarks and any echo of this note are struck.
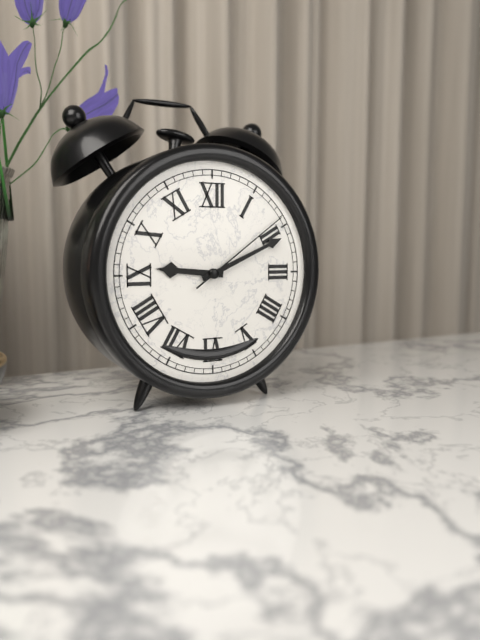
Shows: 9:11:09
